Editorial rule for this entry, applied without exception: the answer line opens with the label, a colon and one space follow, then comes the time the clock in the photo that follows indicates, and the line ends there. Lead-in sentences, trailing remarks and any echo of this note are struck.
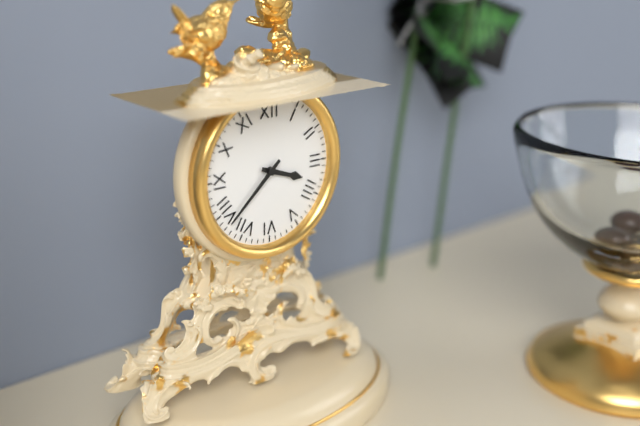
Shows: 3:38
